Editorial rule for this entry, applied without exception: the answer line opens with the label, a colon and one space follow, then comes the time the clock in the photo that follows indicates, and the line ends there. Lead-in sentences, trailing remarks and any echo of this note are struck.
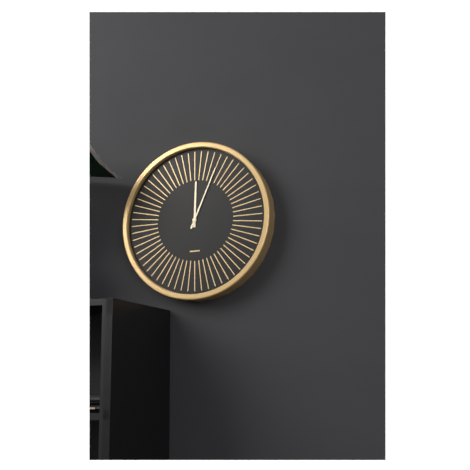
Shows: 12:04
